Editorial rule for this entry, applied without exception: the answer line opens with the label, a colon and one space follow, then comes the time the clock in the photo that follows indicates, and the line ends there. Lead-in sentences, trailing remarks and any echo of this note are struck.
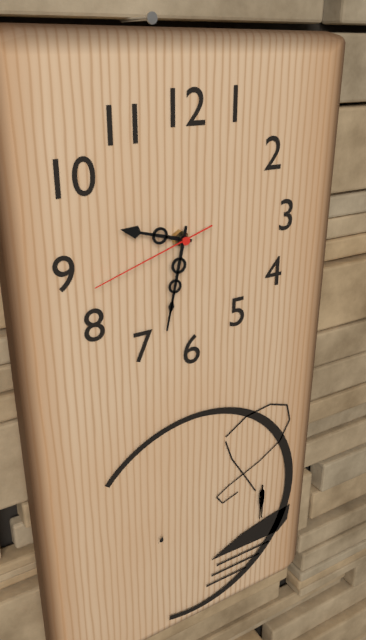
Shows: 9:32:42
